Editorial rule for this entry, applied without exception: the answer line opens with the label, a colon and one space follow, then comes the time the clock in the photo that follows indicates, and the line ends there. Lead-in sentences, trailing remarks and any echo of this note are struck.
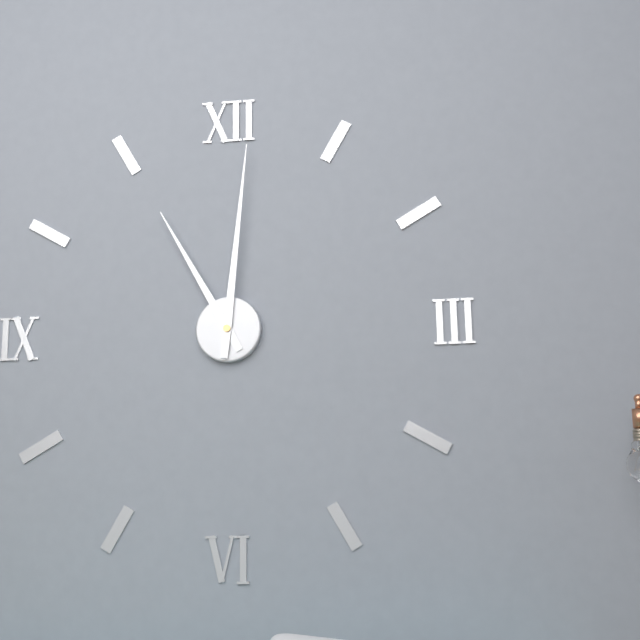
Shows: 11:01
